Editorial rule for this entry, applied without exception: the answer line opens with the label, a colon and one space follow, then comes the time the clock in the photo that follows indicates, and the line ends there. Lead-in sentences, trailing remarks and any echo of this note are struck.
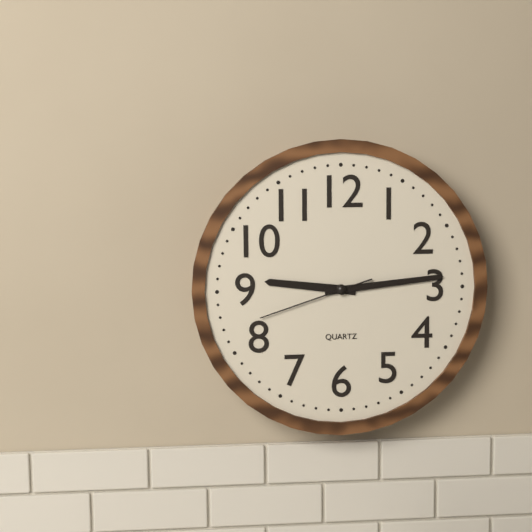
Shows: 9:14:42
